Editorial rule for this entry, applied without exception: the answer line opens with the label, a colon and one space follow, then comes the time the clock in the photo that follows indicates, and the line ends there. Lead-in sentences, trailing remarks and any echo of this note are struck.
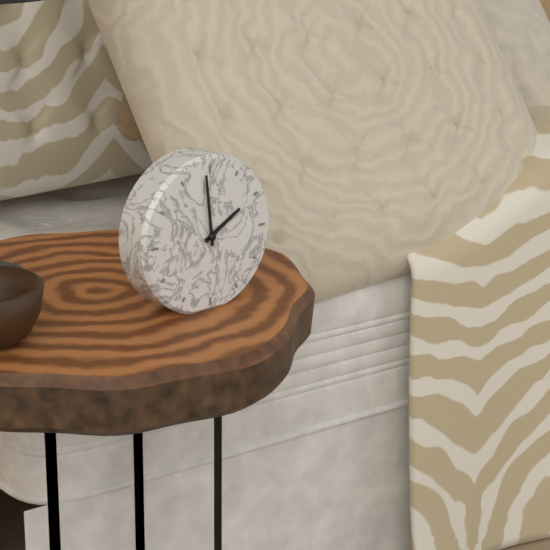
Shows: 1:59
